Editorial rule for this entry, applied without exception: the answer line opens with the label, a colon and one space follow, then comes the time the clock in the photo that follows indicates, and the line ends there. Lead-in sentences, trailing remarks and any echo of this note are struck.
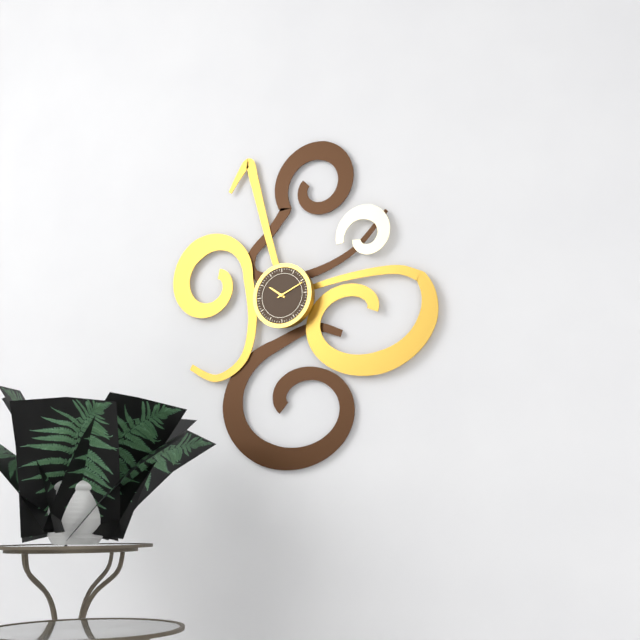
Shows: 10:11
